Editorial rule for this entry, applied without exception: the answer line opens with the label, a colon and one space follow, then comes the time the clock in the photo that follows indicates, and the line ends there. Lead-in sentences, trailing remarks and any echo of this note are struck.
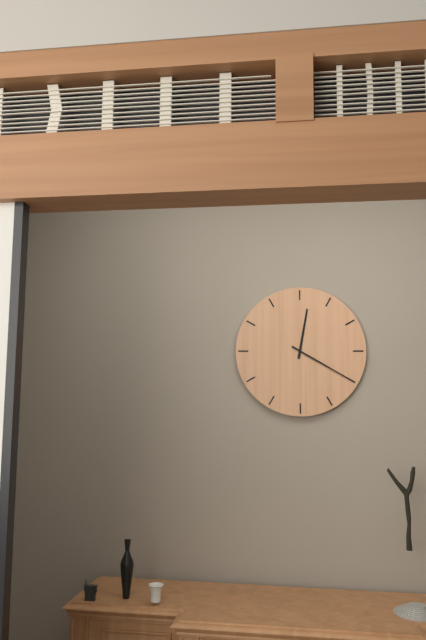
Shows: 12:20
